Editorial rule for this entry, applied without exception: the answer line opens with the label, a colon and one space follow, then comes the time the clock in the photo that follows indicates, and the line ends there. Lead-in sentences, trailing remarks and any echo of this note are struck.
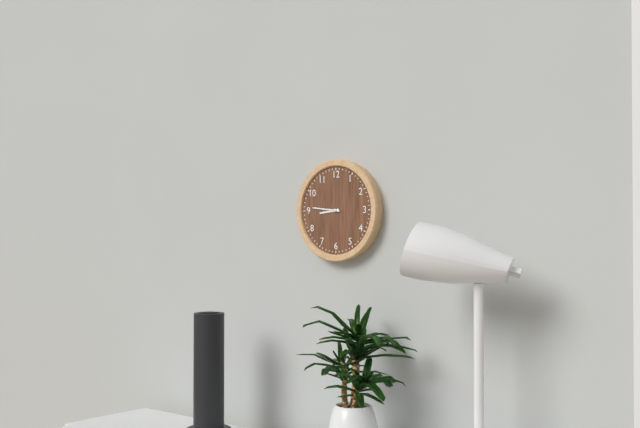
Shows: 8:46
